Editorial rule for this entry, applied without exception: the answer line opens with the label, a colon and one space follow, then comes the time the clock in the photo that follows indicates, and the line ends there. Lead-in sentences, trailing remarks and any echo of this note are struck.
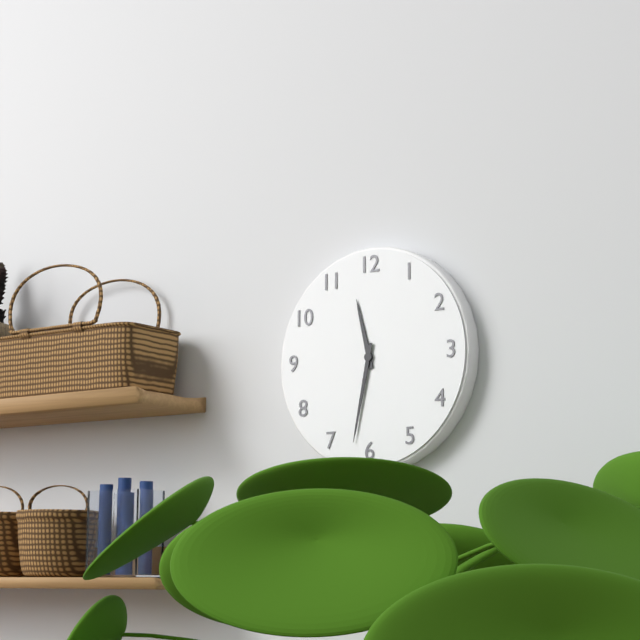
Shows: 11:32
